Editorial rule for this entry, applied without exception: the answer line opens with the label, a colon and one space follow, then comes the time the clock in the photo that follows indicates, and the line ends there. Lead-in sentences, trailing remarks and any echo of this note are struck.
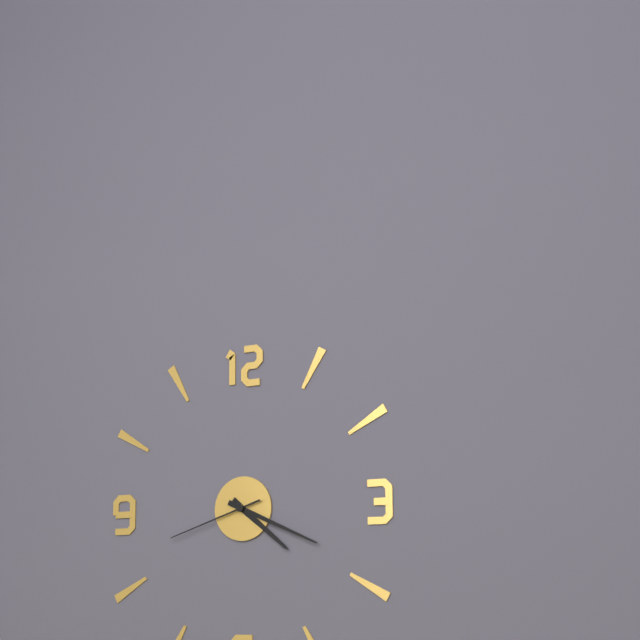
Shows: 4:19:42
